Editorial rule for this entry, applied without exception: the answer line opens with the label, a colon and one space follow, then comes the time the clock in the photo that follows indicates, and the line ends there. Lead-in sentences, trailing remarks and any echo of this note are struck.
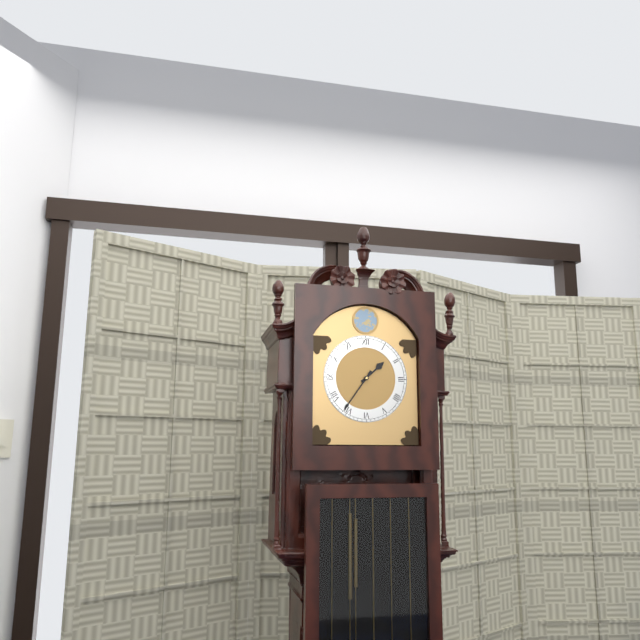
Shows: 1:36
